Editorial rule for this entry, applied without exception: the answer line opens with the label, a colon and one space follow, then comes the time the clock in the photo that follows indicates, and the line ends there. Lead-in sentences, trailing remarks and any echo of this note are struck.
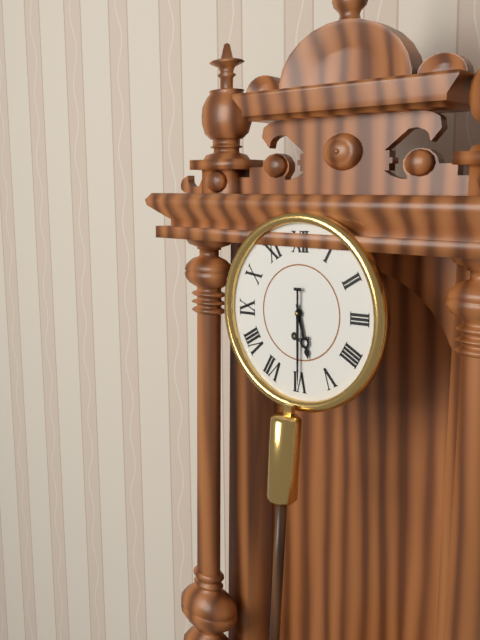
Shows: 5:30
